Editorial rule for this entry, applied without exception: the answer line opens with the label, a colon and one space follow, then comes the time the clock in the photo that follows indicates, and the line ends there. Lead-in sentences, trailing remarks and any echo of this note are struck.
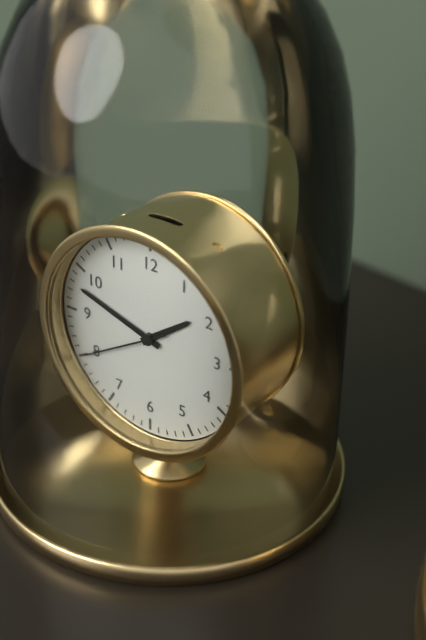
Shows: 1:48:40
